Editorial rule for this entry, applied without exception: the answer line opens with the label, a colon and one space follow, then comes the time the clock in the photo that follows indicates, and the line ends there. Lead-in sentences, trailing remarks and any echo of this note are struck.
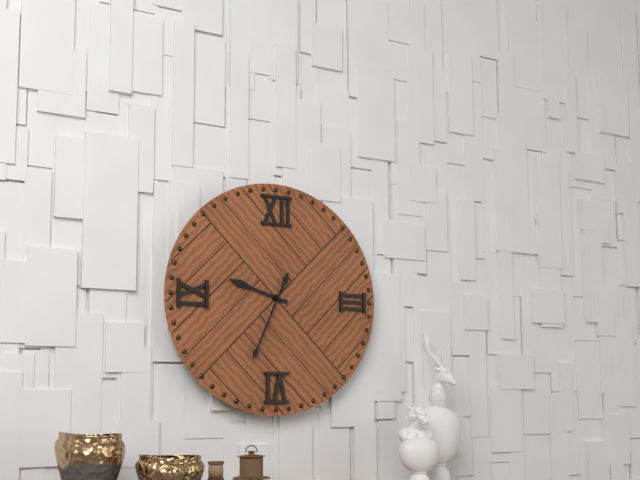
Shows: 9:34
